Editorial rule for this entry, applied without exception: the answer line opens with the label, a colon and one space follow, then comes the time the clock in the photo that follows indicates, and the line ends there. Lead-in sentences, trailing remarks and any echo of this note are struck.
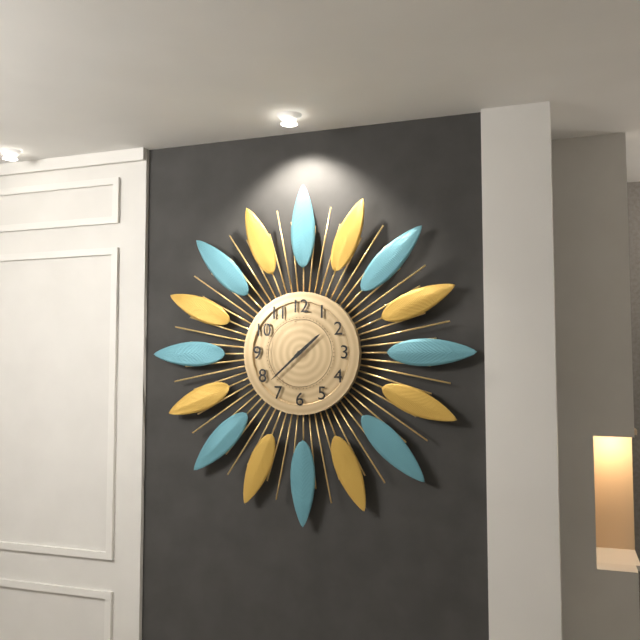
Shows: 1:38
